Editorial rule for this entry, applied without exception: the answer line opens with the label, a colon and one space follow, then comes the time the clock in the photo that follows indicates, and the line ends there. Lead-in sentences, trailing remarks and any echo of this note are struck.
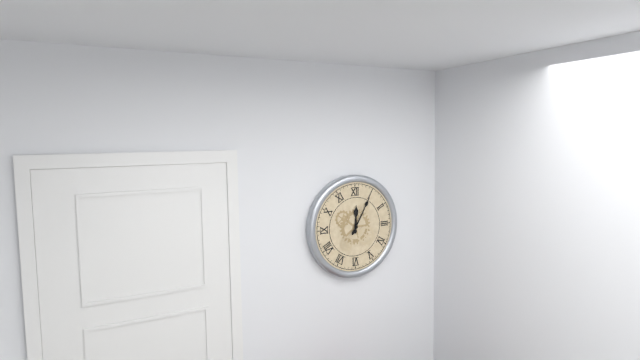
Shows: 12:05
